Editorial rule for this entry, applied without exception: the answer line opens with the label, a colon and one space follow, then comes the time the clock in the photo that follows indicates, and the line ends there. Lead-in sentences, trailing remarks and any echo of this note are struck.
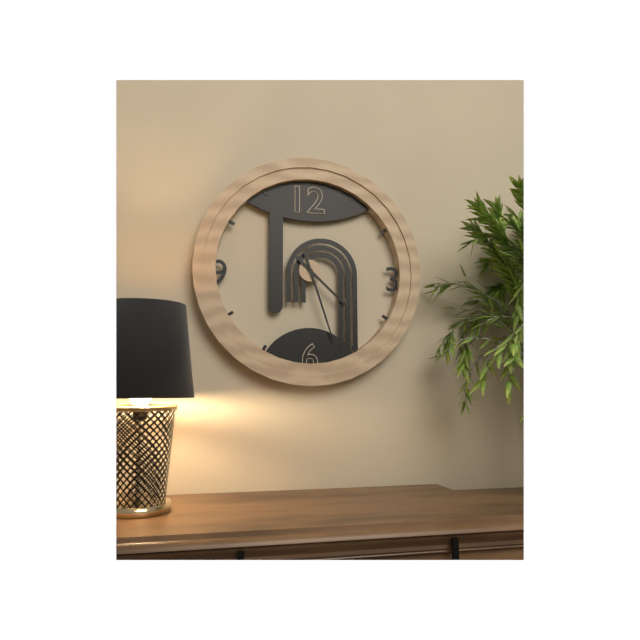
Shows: 4:27
